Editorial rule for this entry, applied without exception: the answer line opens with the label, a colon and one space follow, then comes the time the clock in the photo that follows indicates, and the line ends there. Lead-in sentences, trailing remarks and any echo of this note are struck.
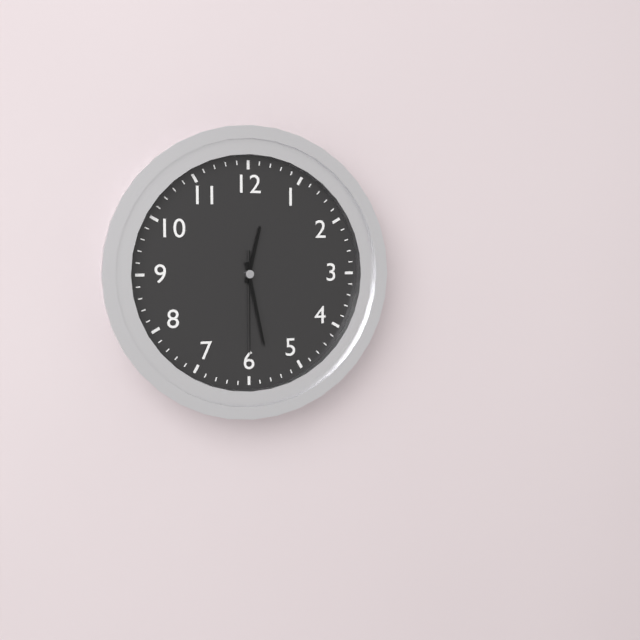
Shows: 12:28:30
